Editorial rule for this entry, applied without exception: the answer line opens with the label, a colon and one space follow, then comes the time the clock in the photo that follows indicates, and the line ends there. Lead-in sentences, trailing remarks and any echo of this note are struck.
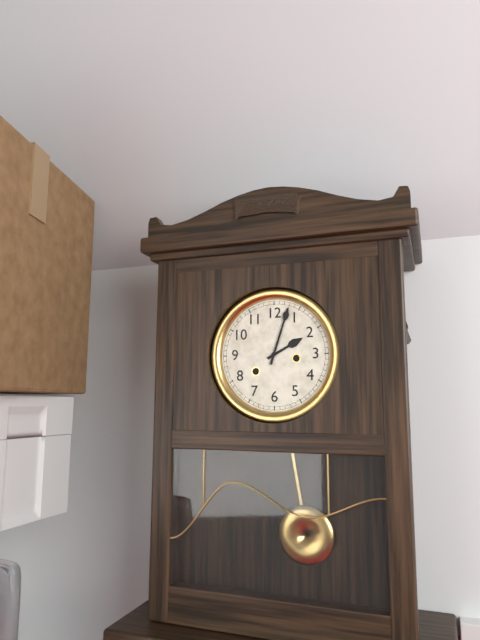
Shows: 2:03
